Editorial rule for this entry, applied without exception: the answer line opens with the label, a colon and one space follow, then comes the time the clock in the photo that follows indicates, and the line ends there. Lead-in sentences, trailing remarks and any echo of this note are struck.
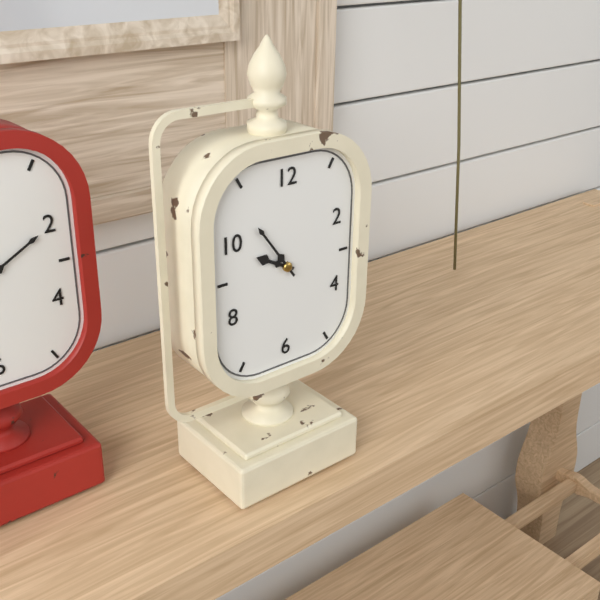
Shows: 9:54
